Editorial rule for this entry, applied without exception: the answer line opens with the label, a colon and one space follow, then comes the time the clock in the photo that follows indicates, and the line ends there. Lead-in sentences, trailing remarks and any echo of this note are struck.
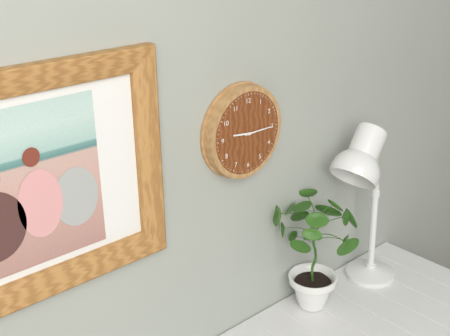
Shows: 9:15
